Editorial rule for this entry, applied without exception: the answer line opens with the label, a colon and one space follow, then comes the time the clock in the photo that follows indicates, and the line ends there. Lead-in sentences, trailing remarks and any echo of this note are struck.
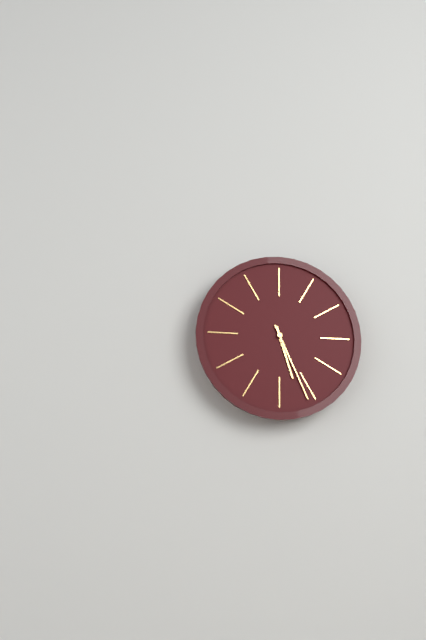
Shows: 5:26
